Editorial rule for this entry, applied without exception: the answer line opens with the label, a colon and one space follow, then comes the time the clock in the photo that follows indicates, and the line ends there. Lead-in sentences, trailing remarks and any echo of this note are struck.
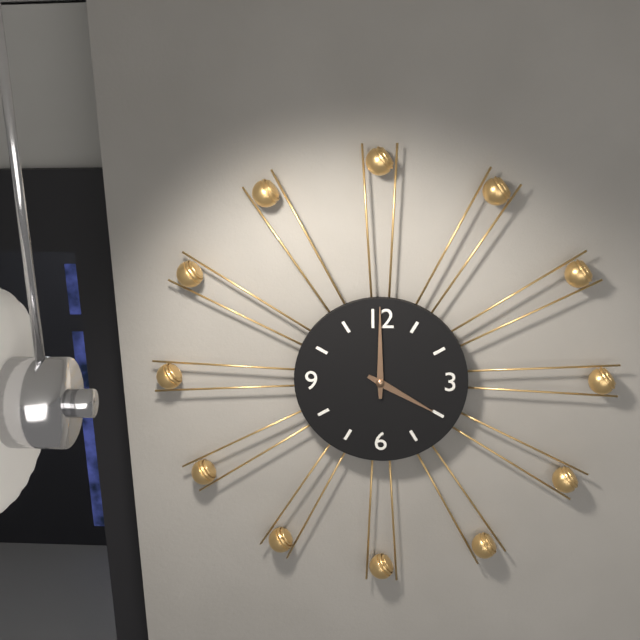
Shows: 4:00
